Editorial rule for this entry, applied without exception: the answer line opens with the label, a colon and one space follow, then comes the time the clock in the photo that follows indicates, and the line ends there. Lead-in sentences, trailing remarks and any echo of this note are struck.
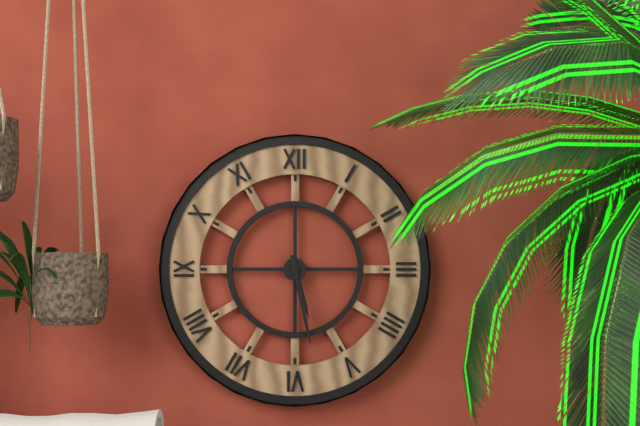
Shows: 5:28
